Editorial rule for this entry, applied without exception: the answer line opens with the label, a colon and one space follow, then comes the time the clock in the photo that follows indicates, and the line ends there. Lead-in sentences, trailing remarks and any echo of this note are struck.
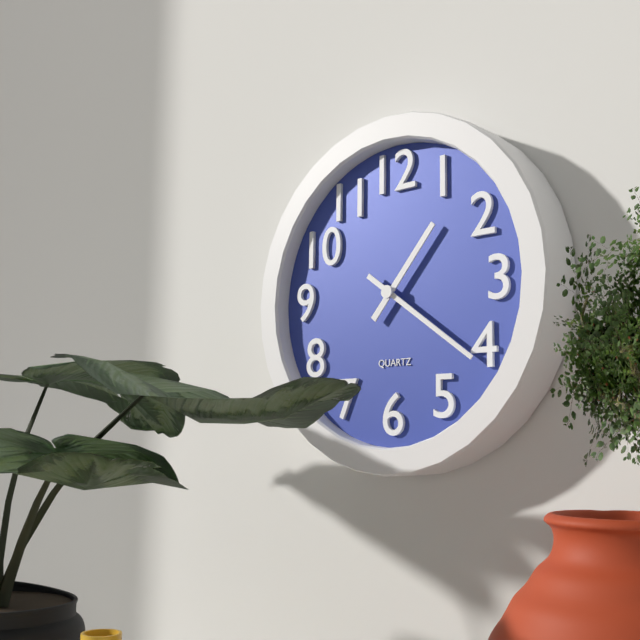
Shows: 1:21
